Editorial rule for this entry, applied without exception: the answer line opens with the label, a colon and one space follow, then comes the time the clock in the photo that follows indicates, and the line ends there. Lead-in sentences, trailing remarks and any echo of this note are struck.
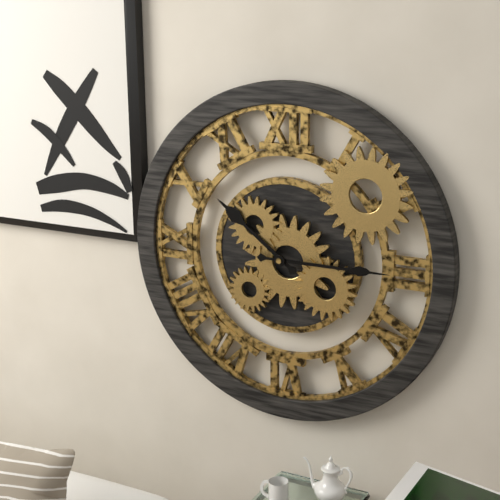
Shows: 10:15
